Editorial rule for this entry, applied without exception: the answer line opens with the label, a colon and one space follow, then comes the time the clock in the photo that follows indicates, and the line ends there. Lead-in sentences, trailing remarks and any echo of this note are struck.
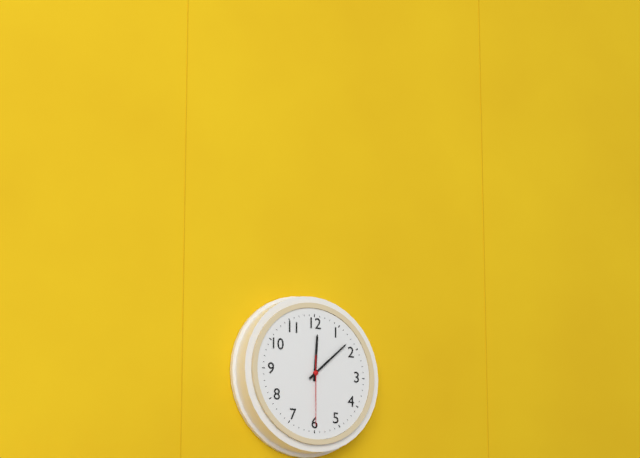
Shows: 12:08:30
